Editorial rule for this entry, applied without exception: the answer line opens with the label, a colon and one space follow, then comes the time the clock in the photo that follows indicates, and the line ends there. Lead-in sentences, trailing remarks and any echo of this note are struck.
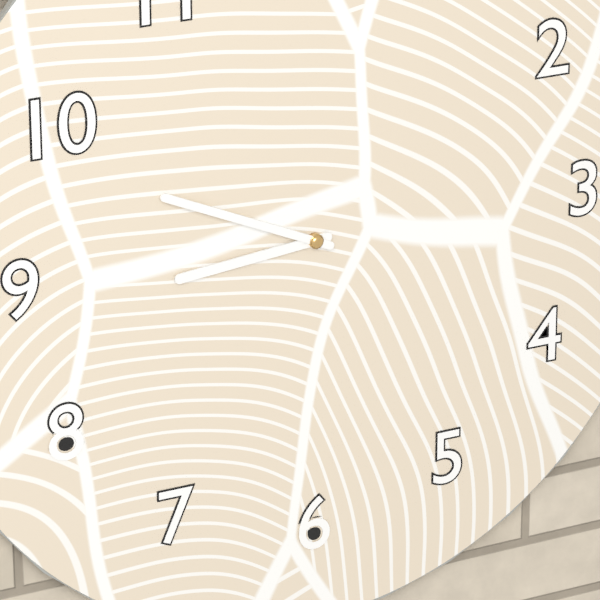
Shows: 8:49
